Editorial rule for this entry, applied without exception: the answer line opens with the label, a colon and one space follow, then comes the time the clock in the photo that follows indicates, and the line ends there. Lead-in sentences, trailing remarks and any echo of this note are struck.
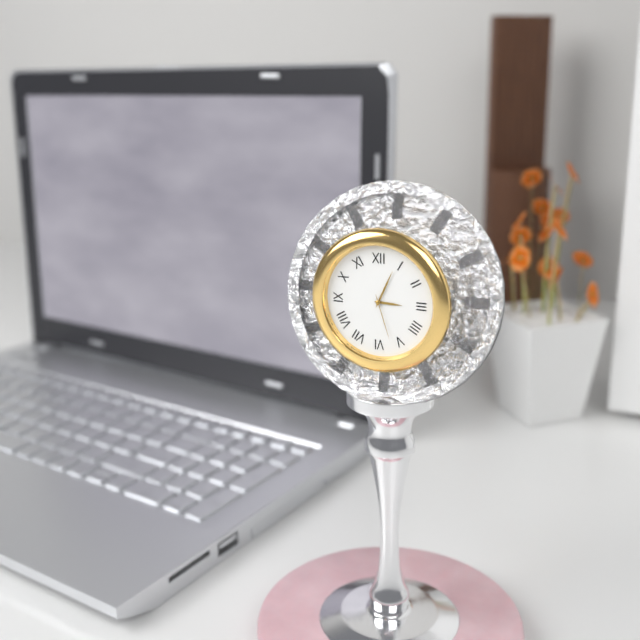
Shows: 3:04
